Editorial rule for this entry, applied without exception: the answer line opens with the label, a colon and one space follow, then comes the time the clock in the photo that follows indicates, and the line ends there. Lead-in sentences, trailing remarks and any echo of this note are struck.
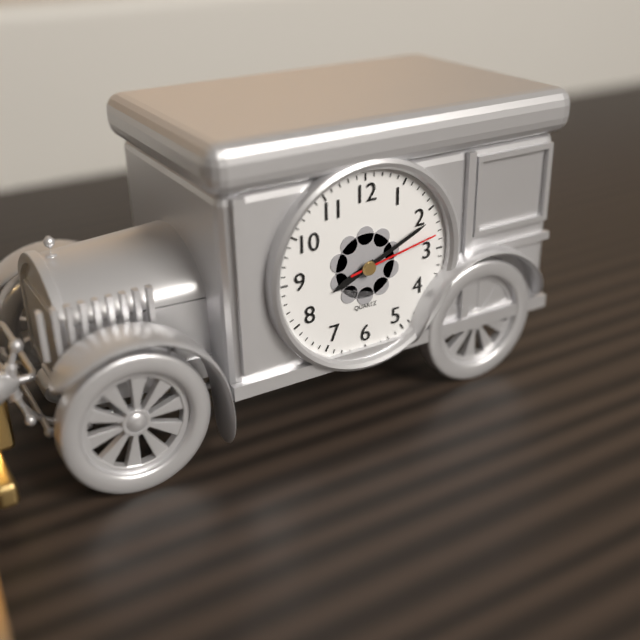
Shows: 8:11:13
